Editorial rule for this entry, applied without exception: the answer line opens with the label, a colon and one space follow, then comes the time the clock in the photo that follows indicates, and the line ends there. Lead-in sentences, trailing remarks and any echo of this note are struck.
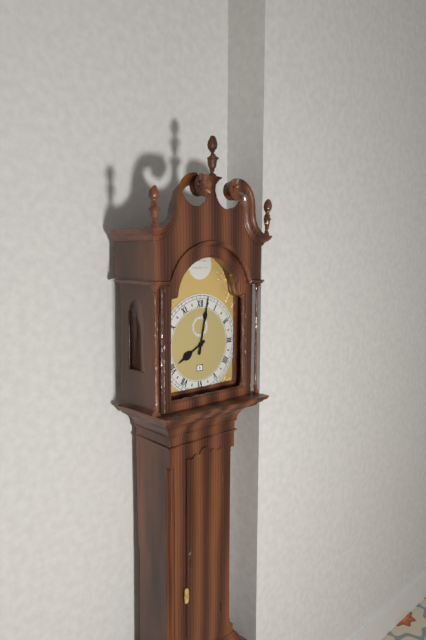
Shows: 8:02
